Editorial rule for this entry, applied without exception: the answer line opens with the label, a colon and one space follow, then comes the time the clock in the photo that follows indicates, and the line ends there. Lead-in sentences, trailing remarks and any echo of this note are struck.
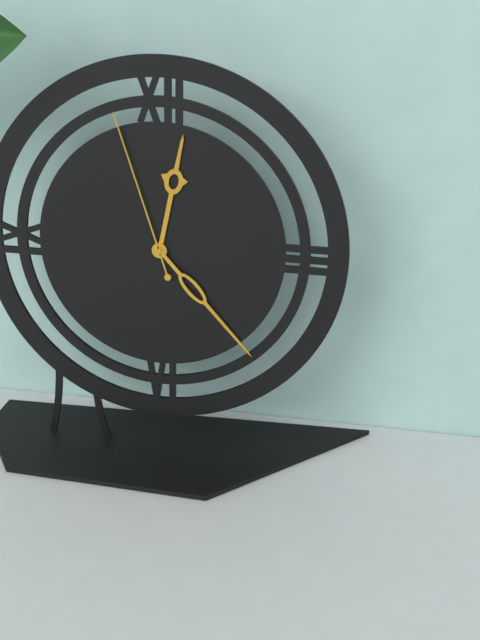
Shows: 12:23:57
